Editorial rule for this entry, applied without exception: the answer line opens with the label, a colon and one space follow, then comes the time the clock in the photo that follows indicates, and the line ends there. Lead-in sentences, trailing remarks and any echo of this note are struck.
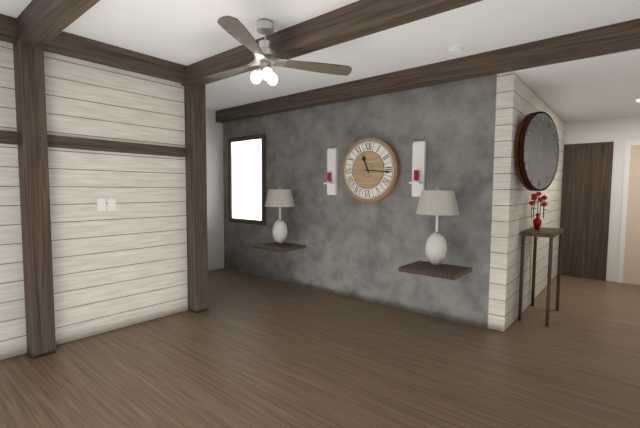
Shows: 11:16
